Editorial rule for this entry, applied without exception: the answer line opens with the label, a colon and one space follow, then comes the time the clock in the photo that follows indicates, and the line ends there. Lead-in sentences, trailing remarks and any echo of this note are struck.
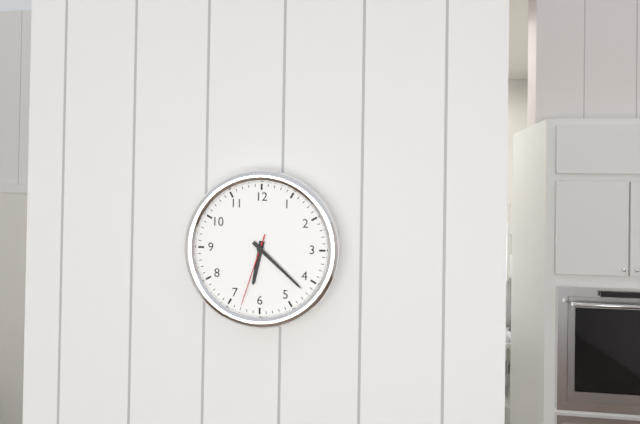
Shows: 6:22:33
